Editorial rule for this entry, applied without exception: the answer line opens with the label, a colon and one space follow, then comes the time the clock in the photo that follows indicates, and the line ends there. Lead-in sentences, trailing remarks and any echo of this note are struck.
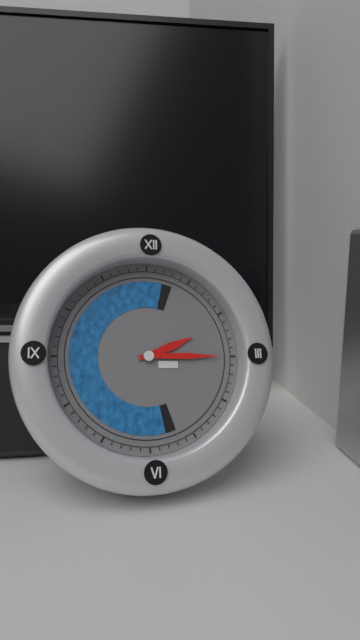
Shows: 2:15
